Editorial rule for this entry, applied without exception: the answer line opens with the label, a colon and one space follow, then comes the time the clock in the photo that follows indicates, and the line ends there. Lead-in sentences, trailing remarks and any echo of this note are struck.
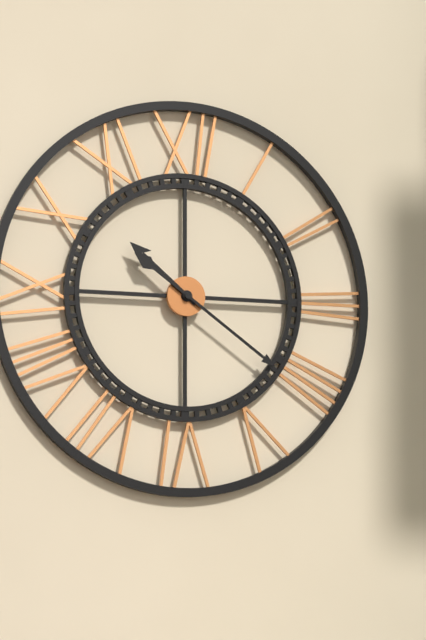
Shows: 10:21
